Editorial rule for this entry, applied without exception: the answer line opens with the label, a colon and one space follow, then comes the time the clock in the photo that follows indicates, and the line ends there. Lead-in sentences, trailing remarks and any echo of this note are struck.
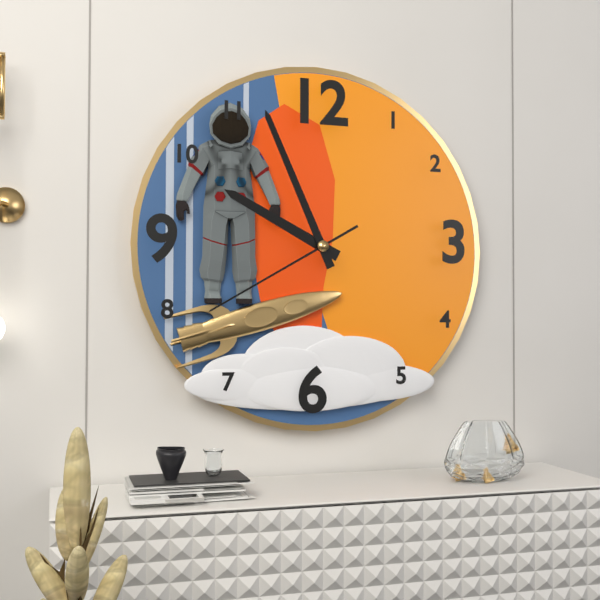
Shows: 9:56:40
